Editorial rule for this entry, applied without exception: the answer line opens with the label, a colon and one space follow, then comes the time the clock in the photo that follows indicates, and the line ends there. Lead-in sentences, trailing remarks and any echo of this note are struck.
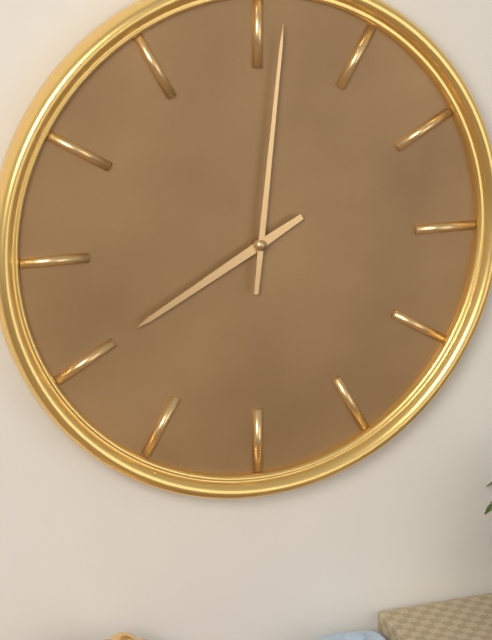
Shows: 8:01
